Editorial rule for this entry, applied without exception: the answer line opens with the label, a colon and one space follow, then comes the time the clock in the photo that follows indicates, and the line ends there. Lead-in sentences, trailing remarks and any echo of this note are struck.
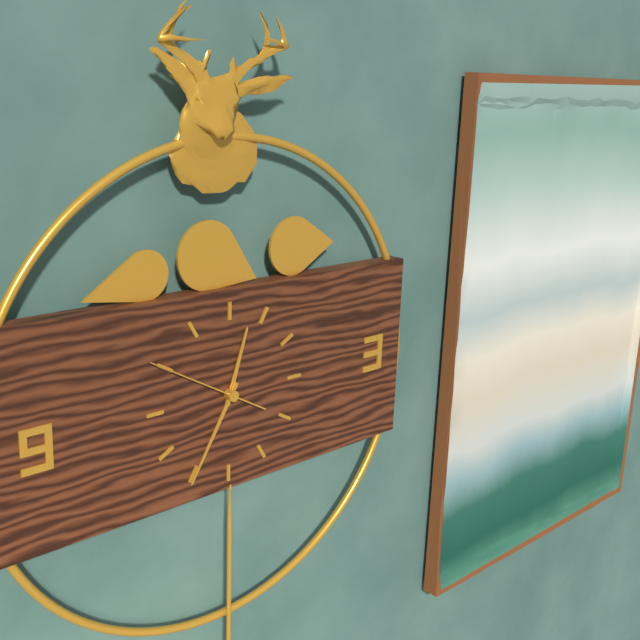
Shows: 12:35:50
